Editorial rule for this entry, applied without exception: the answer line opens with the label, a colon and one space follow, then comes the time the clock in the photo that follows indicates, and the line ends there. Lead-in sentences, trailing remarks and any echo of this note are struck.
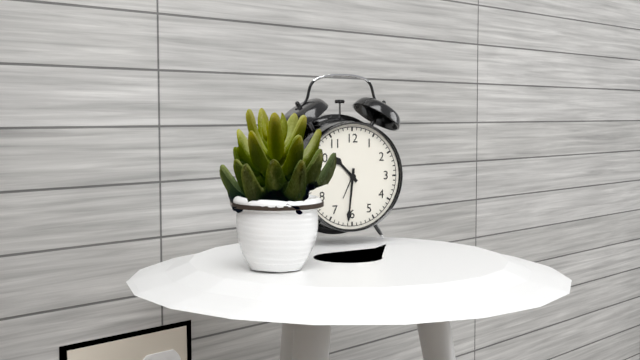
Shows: 10:31
